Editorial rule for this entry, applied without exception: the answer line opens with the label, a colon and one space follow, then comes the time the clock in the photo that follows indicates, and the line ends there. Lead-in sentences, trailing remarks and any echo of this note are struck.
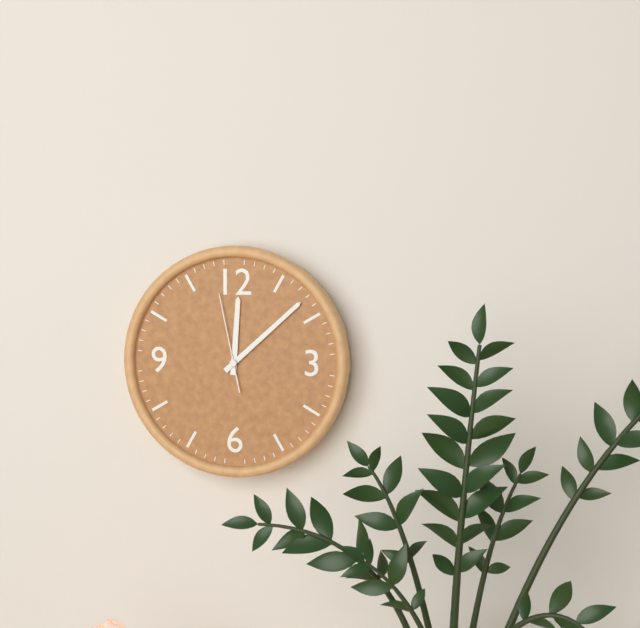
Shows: 12:08:58
